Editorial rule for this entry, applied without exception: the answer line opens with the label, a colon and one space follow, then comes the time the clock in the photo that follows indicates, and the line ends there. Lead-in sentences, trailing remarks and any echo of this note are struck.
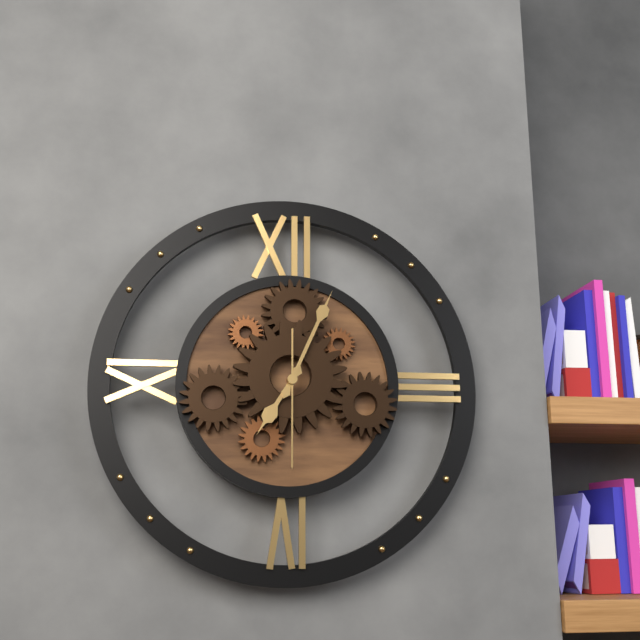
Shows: 7:04:30
